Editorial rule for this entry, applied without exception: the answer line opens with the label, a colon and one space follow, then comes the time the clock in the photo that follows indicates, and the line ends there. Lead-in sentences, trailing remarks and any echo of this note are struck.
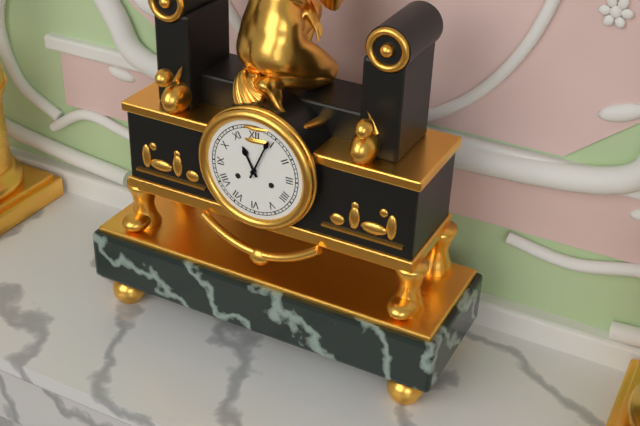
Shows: 11:04
